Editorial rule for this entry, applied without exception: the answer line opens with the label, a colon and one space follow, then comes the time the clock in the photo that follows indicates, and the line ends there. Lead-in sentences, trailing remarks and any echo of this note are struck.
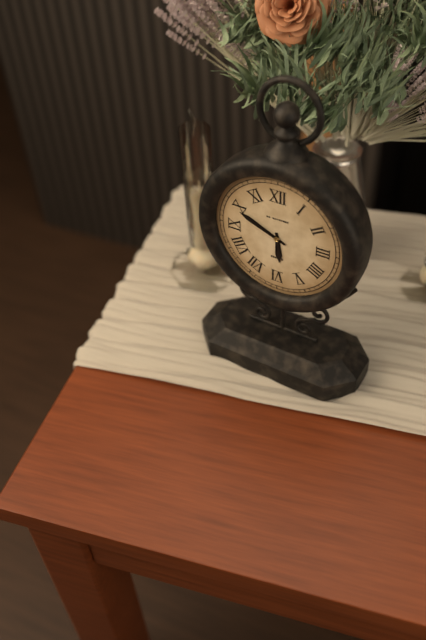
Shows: 5:49
